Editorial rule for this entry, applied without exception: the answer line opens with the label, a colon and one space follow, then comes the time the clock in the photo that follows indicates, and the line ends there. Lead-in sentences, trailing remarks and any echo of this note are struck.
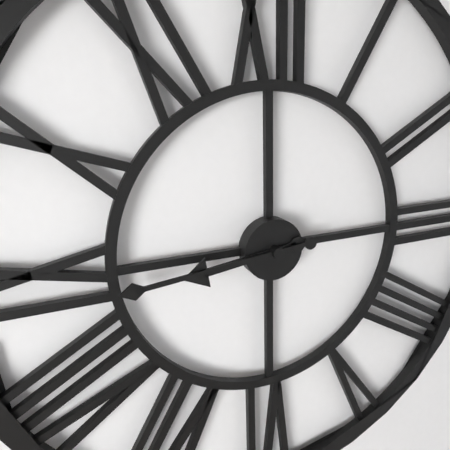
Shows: 8:44
